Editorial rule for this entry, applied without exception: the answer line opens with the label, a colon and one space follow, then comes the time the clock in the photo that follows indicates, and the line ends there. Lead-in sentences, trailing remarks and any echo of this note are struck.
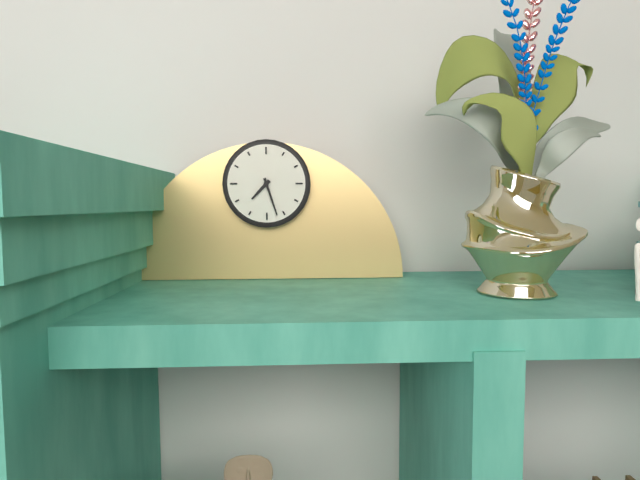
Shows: 7:27
